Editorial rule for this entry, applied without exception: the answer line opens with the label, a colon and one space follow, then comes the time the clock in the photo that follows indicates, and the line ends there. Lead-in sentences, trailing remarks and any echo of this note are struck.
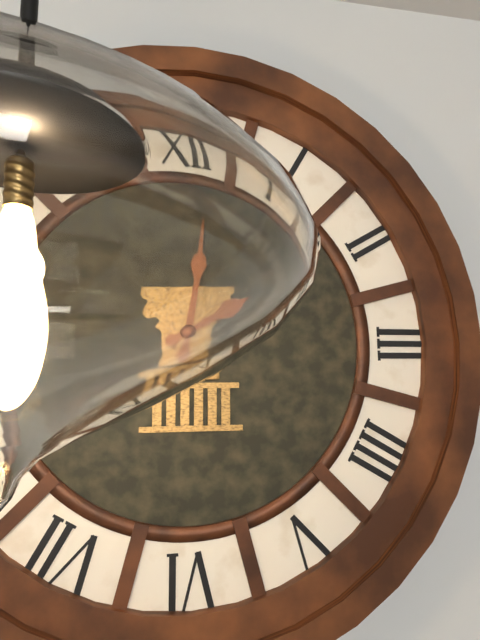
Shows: 2:01
